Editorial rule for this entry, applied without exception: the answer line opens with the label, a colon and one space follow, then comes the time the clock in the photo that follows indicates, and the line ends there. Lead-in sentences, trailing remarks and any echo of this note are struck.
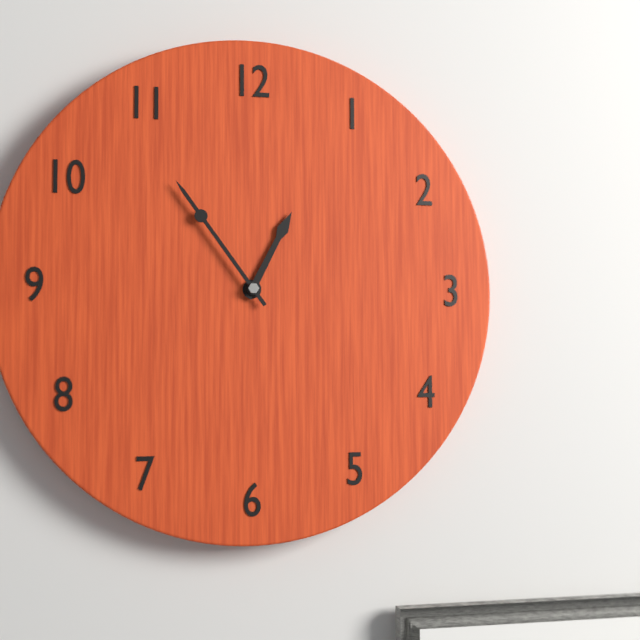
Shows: 12:54
